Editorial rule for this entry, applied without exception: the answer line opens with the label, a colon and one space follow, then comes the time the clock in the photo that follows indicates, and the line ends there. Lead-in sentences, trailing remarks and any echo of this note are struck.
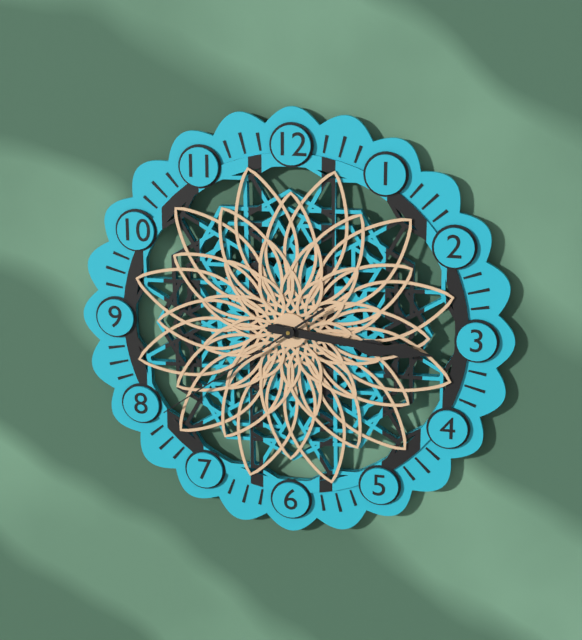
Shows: 3:16:39
